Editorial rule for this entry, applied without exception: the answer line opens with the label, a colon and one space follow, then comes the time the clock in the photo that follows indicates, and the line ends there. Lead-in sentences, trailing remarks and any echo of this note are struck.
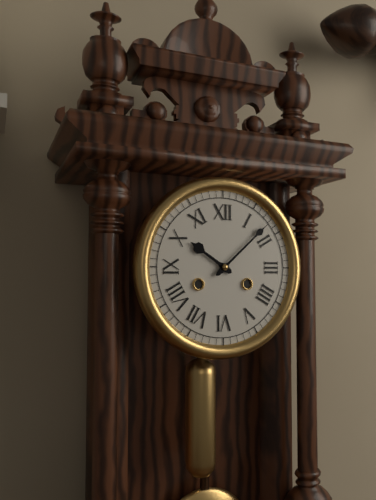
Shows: 10:08
